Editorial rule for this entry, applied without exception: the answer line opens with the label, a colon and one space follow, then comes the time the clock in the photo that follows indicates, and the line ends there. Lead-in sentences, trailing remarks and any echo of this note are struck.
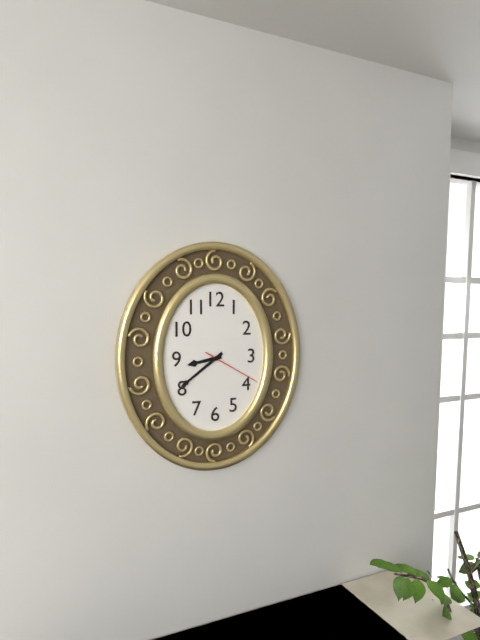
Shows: 8:39:20
